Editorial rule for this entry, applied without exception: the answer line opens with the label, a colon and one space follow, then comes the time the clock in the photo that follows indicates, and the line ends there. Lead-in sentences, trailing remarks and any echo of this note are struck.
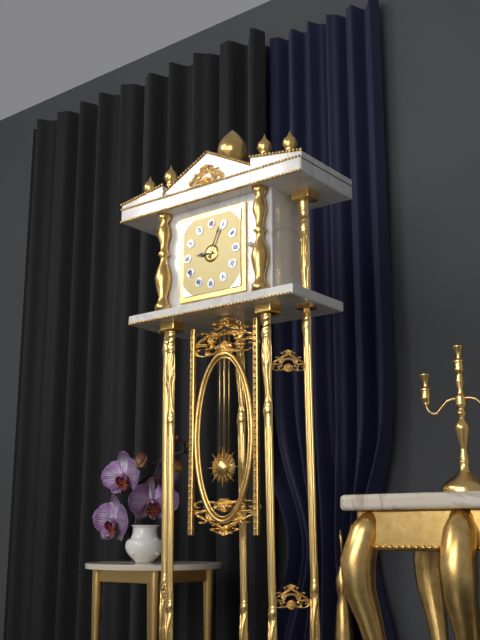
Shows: 9:04
